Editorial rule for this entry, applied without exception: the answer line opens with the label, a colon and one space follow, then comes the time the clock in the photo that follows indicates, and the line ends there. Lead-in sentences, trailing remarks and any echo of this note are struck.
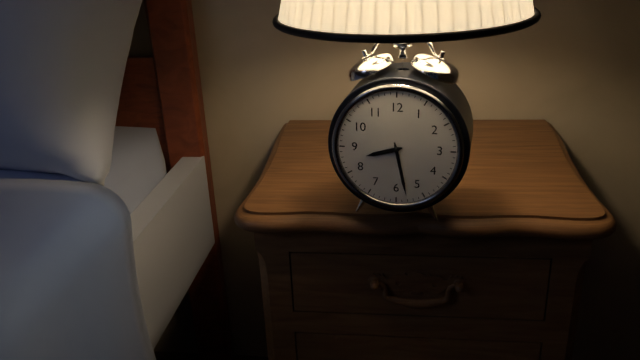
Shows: 8:28
